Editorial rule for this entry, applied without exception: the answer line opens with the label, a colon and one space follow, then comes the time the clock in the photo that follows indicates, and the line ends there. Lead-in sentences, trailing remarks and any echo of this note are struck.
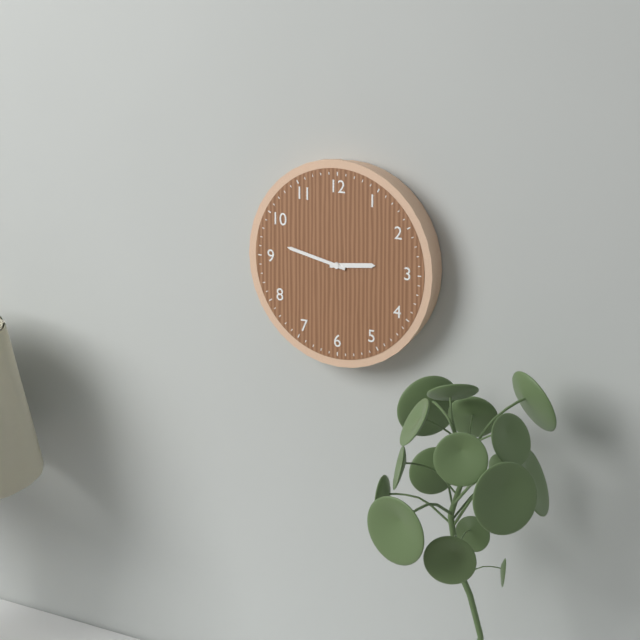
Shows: 2:47
